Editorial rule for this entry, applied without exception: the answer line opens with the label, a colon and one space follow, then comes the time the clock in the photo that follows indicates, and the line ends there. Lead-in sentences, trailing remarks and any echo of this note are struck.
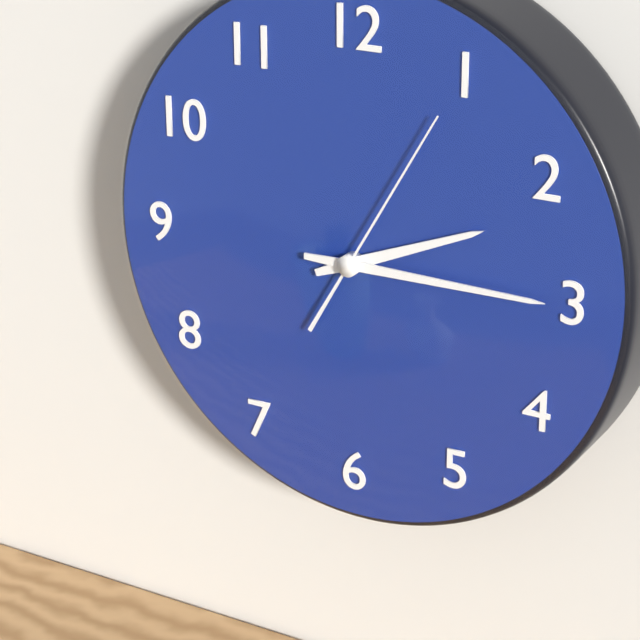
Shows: 2:15:05
